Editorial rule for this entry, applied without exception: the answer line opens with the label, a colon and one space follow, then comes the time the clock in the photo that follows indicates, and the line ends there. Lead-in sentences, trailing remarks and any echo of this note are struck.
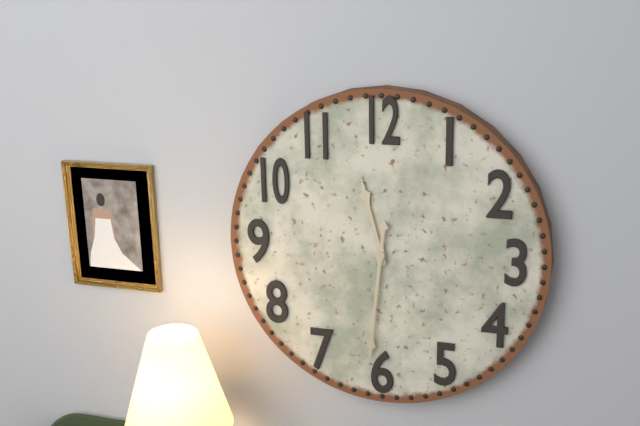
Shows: 11:31
